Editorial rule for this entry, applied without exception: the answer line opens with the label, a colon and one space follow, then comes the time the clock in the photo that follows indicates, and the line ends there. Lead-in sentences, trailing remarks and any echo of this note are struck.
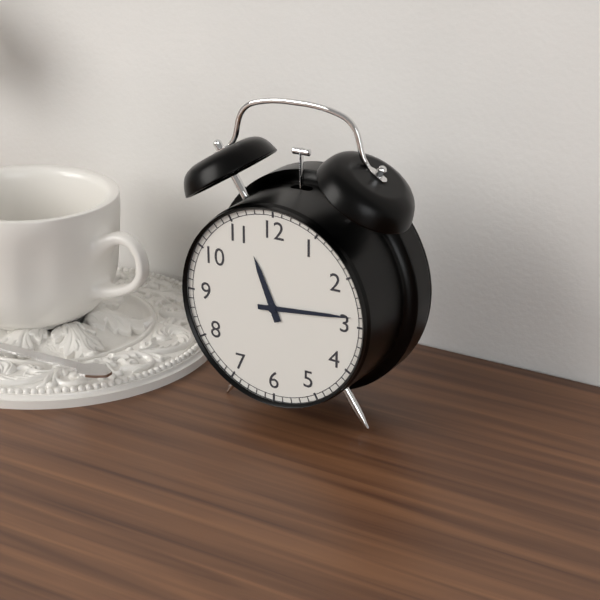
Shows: 11:14
